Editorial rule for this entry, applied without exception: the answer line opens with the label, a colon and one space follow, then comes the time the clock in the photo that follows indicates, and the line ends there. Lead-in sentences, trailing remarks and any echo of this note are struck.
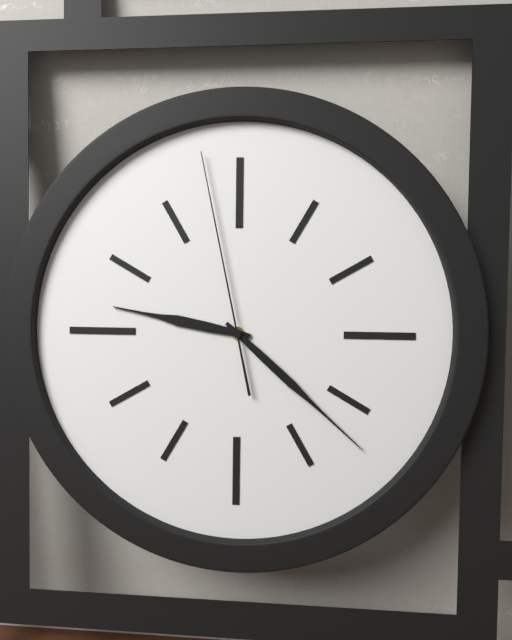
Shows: 9:22:58
